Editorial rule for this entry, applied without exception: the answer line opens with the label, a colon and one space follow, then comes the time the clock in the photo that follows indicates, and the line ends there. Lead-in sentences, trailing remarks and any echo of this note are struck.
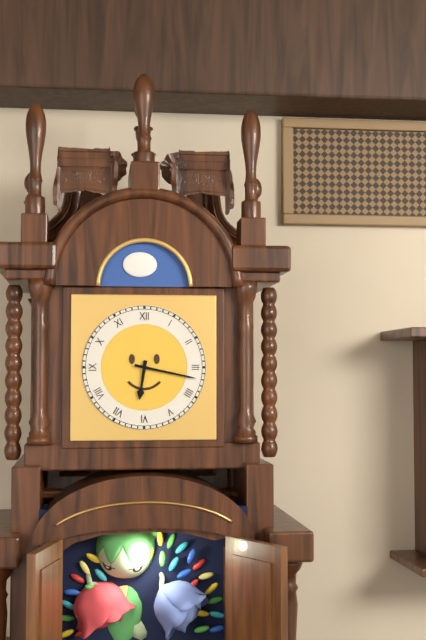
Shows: 6:17
